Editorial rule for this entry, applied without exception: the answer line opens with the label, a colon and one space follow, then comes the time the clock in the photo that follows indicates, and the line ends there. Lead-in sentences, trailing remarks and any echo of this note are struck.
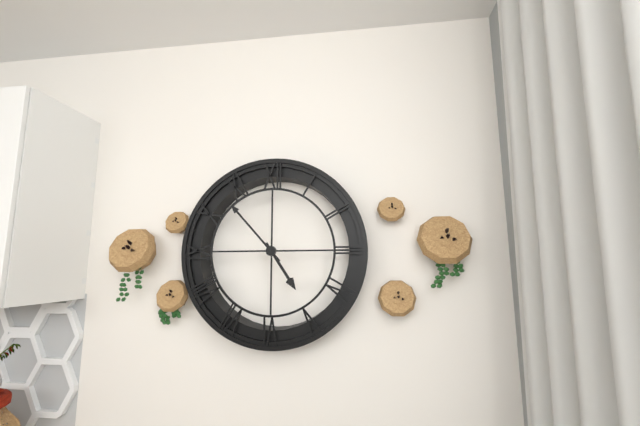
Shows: 4:53
